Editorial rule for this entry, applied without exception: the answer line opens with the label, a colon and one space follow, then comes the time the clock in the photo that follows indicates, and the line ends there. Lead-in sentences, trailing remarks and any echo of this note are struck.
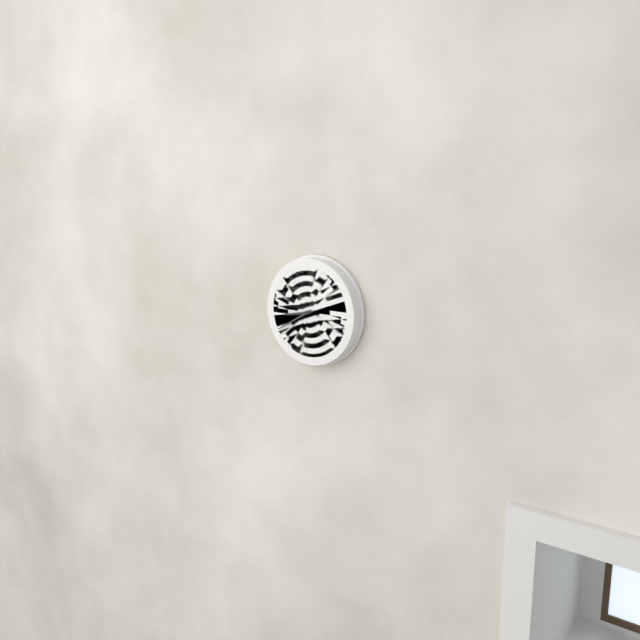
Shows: 8:40
